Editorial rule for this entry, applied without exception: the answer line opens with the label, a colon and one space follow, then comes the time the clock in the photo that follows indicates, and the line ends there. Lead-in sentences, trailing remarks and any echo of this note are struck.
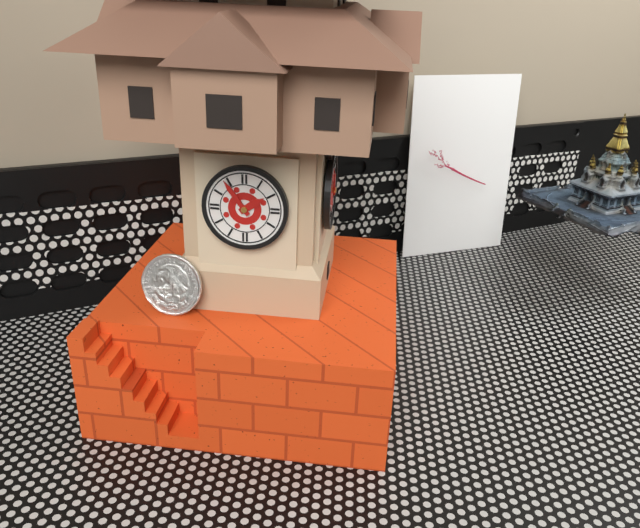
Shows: 1:54
